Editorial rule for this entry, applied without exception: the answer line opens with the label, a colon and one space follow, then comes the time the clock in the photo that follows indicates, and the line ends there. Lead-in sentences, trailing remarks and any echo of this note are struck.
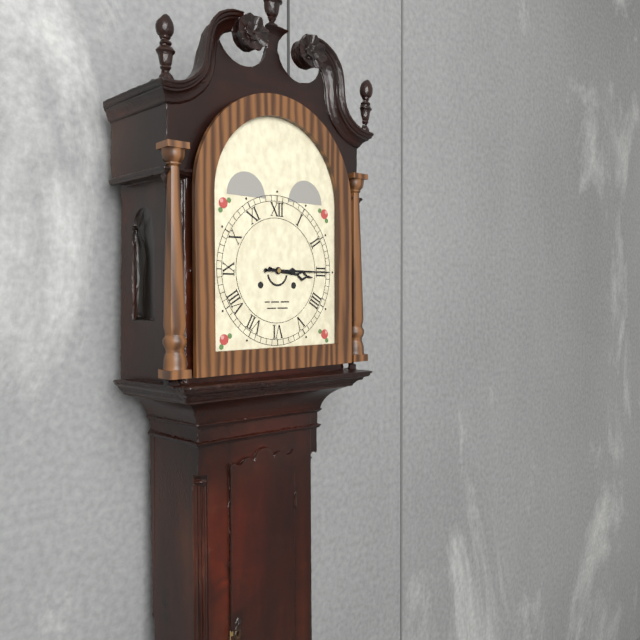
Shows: 3:15
